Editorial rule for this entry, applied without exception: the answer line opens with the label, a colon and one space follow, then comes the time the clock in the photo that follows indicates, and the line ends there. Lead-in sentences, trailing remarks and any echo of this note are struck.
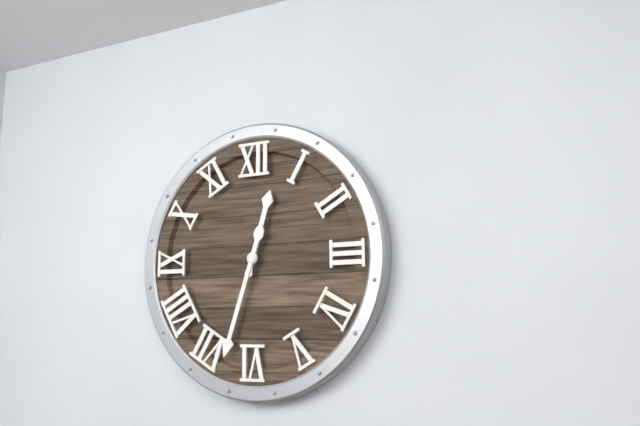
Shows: 12:33
